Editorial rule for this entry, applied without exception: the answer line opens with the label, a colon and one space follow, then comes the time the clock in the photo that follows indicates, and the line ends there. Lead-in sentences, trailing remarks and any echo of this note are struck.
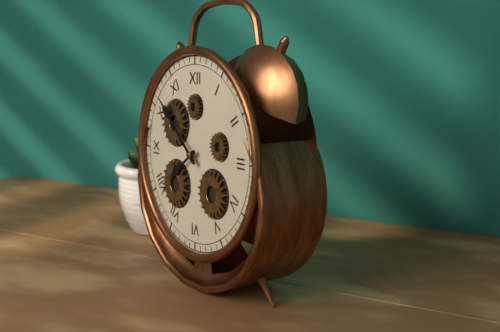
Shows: 7:52
